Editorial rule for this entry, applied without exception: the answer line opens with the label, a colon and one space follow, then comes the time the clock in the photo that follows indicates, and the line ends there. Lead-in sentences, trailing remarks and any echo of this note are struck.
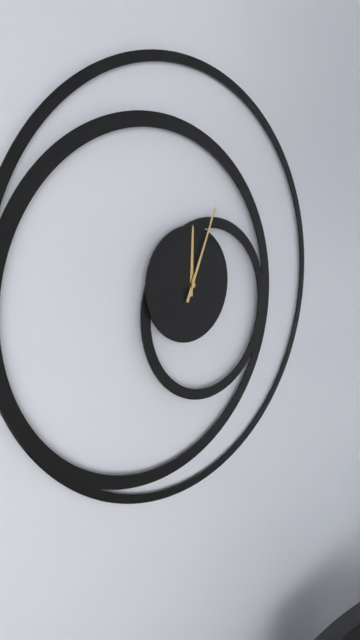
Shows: 12:04
